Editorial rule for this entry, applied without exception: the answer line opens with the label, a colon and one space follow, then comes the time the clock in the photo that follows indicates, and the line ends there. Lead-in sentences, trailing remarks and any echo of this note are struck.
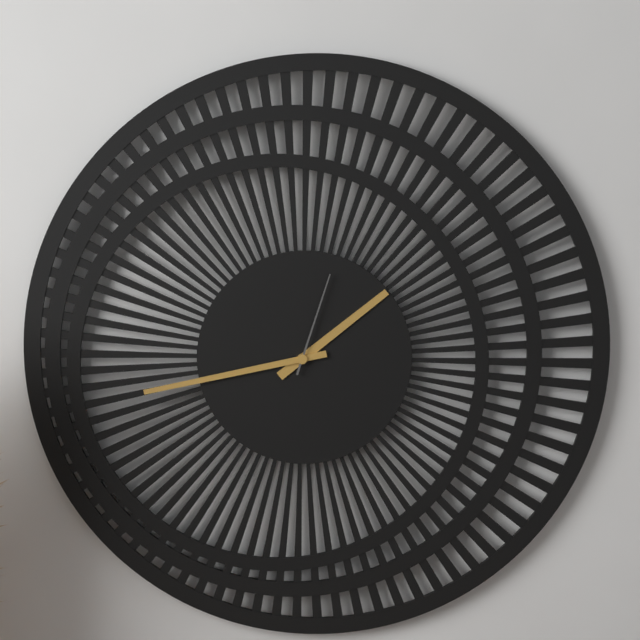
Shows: 1:43:03
